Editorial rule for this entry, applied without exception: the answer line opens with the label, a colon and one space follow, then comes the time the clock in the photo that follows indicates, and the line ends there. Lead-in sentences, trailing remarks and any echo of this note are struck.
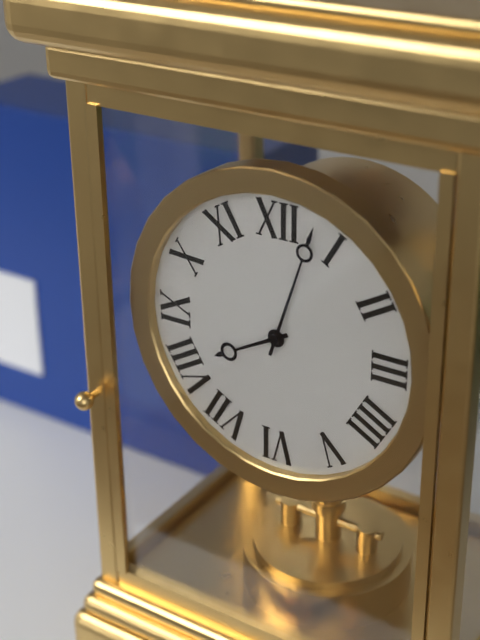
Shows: 8:03
